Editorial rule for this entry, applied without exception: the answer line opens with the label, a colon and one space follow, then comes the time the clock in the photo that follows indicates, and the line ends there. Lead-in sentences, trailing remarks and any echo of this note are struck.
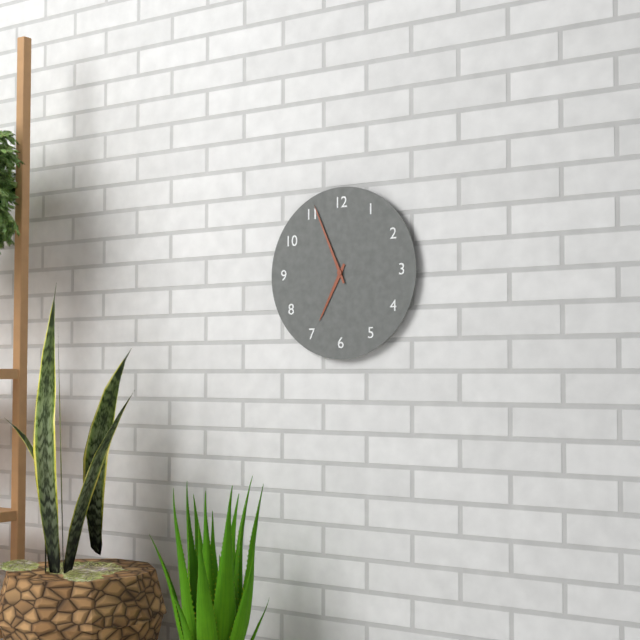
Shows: 6:56
